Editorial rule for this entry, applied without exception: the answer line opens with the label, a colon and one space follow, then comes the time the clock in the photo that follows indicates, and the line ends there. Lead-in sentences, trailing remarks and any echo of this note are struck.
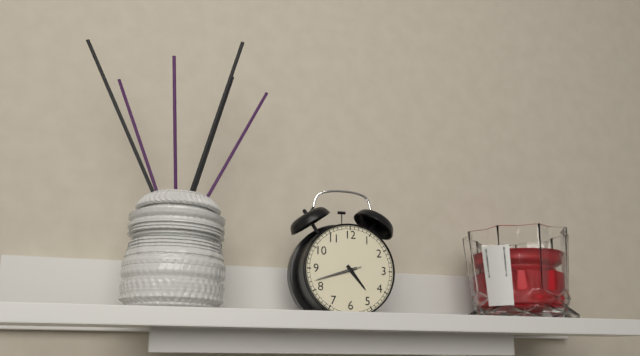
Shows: 4:42
